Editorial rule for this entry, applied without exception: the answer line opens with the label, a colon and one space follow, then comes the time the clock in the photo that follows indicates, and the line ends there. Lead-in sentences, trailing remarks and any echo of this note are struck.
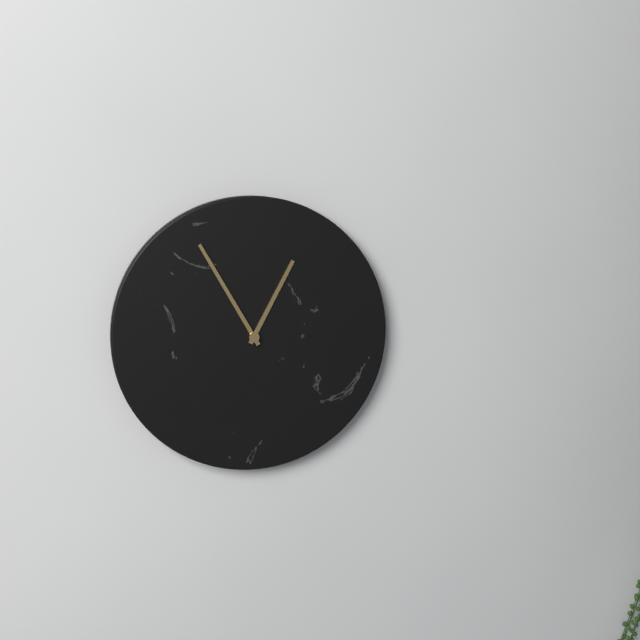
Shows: 12:55
